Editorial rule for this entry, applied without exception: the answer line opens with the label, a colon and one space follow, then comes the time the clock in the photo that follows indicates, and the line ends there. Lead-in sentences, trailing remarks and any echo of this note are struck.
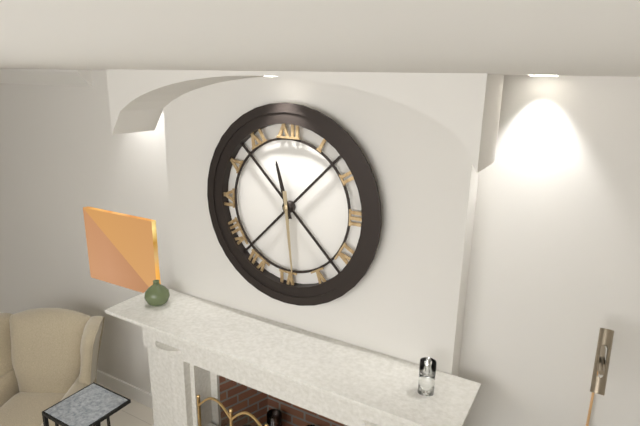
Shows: 11:29
